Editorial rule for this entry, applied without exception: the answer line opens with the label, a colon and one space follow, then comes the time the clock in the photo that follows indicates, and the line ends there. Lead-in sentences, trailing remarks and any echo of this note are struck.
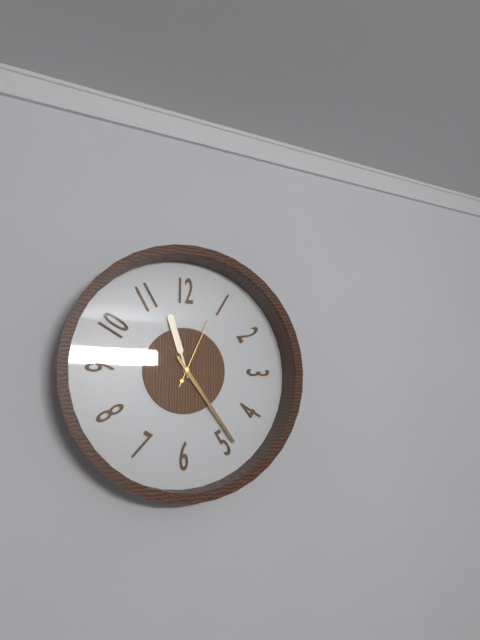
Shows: 11:24:04
